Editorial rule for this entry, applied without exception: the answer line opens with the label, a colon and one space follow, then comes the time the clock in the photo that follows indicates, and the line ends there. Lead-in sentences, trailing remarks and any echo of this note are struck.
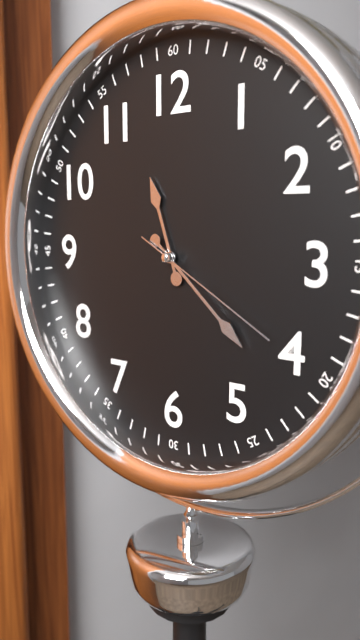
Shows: 11:22:20
